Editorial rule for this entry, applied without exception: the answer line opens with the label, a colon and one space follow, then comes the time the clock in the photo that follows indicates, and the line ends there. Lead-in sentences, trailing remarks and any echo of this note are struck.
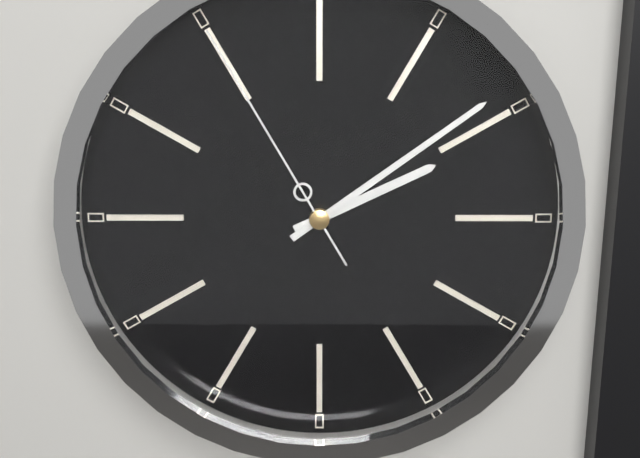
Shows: 2:09:55
